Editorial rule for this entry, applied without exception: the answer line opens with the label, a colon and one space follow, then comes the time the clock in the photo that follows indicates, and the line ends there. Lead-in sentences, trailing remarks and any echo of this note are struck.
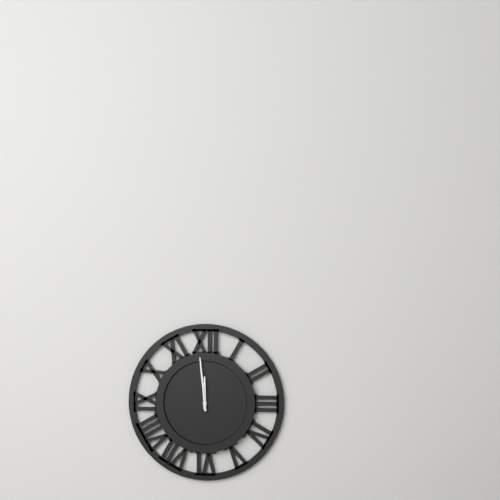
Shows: 11:59
